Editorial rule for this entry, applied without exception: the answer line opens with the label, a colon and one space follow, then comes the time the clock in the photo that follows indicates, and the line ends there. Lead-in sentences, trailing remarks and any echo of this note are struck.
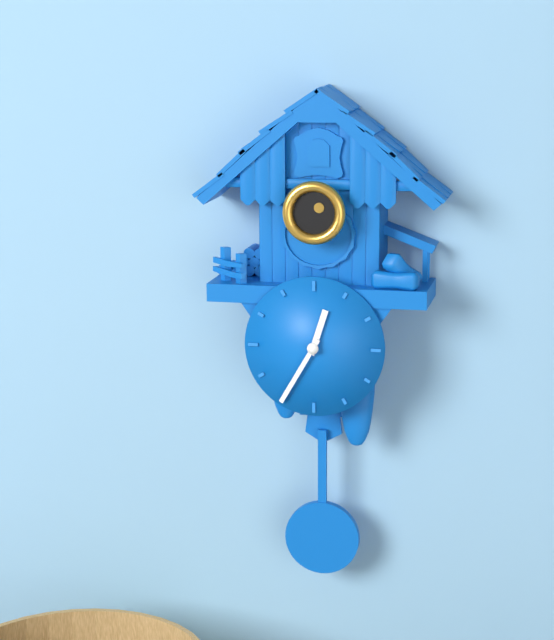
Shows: 12:35
